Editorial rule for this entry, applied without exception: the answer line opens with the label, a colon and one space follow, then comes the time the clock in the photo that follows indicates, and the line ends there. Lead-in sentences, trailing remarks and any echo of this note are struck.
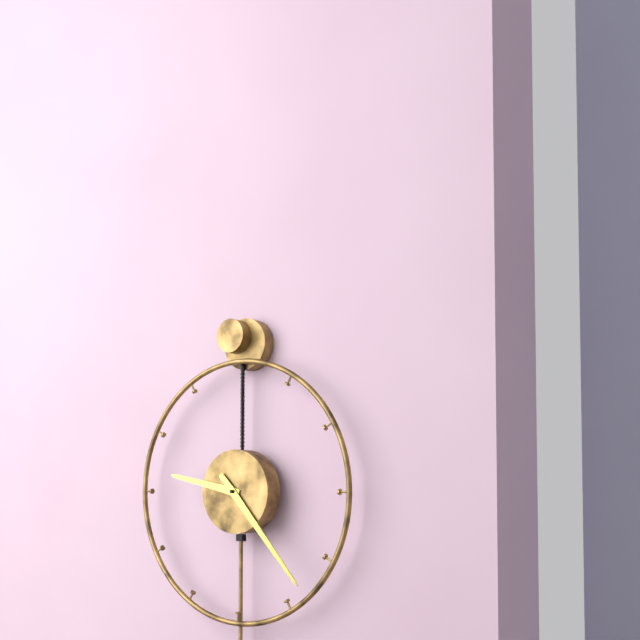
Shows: 9:23
